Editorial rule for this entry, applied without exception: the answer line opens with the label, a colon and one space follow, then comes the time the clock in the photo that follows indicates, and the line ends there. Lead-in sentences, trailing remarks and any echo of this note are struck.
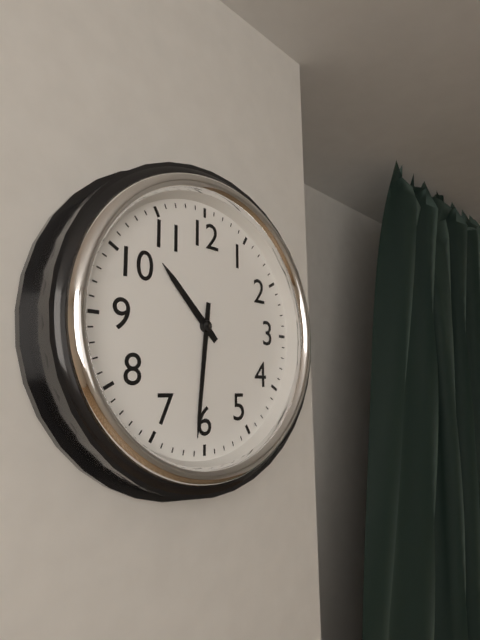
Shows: 10:31
